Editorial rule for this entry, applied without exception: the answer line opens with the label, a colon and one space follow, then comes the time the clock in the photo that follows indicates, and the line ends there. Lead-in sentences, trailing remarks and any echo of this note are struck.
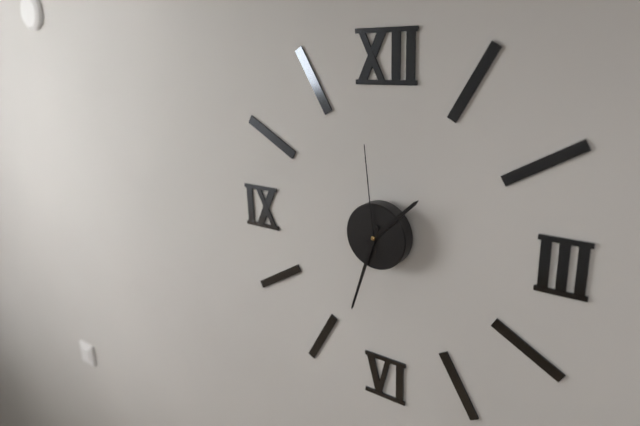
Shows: 1:33:59
